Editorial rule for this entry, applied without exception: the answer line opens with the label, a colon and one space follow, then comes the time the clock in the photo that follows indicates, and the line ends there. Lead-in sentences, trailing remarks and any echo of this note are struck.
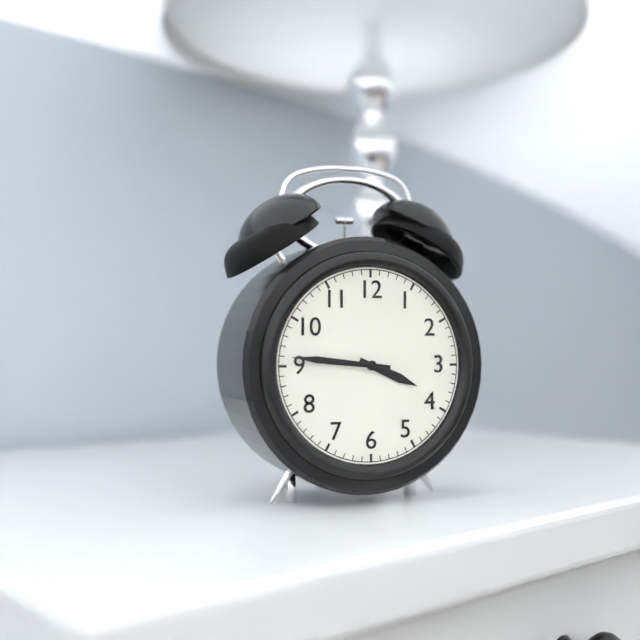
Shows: 3:46
